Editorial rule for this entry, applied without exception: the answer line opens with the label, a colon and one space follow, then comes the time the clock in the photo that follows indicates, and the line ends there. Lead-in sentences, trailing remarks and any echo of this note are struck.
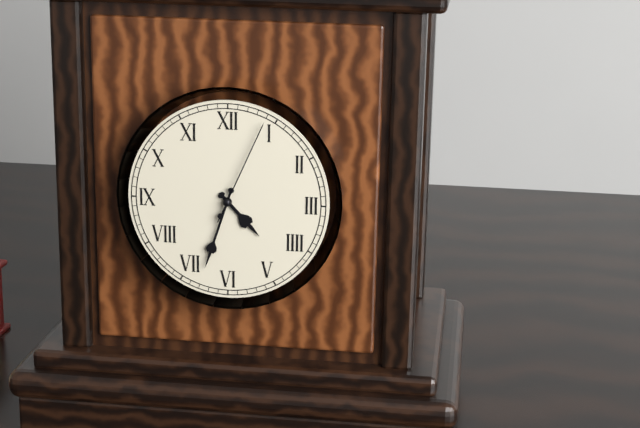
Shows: 4:33:04
